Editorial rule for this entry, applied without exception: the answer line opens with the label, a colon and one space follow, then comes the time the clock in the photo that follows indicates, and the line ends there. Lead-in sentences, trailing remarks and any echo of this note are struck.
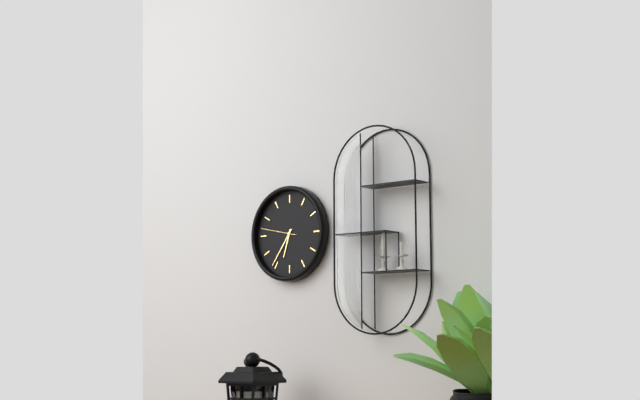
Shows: 6:36
